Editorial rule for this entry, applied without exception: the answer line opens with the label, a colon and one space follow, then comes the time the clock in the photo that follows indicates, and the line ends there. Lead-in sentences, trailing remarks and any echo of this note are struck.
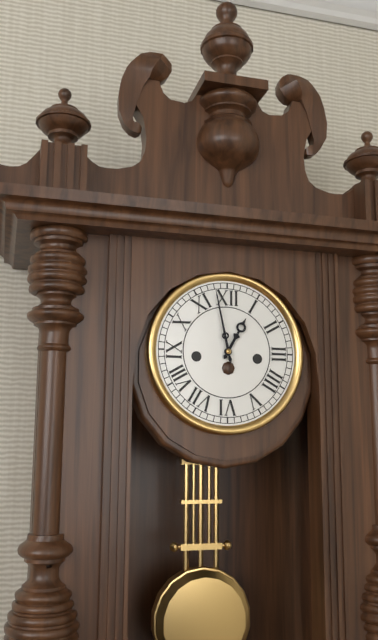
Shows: 12:58
